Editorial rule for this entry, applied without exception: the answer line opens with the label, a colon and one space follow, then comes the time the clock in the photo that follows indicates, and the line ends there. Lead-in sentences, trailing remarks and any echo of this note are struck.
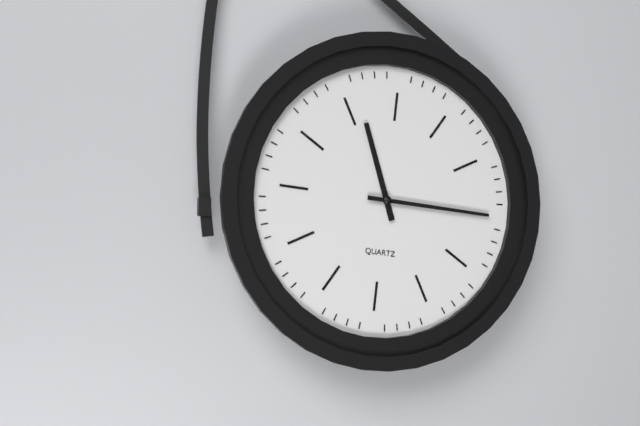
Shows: 11:15
